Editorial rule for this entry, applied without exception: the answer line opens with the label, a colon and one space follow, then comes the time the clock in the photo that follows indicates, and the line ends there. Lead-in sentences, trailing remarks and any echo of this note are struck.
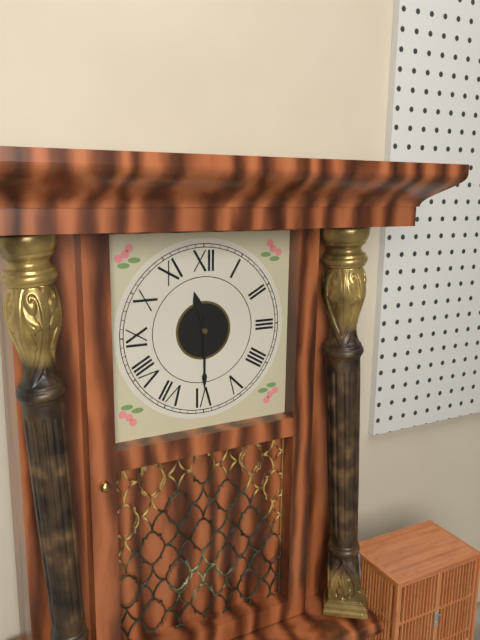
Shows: 11:30
